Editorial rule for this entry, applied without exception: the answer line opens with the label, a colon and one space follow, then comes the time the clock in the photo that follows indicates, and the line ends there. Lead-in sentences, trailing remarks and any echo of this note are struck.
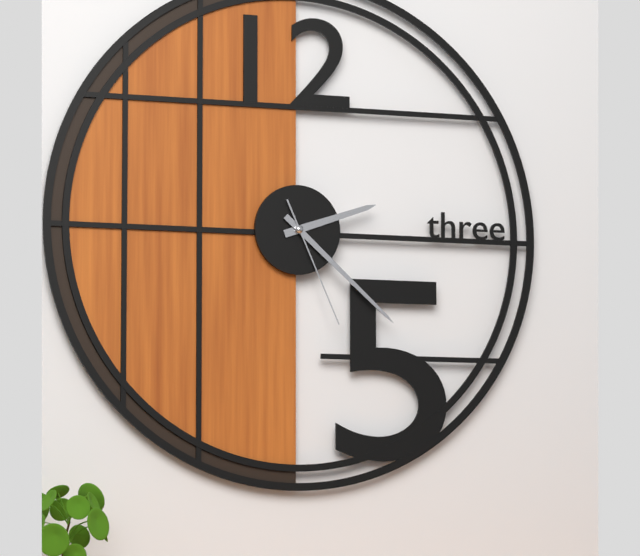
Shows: 2:22:26
